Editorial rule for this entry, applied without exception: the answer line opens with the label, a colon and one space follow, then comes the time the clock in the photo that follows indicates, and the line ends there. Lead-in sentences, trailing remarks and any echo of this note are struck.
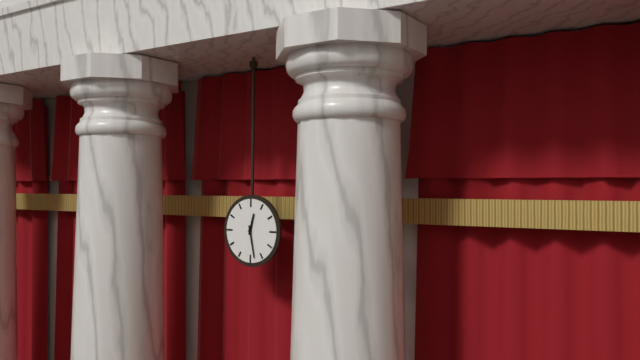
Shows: 12:28
